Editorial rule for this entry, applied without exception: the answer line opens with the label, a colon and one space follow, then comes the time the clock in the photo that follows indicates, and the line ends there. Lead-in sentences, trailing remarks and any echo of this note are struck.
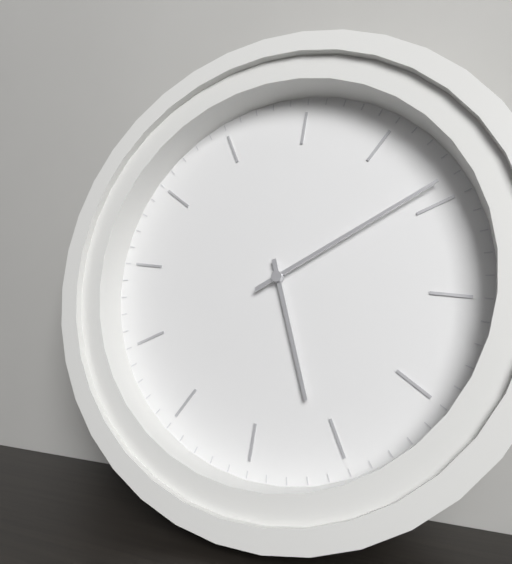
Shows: 6:14
